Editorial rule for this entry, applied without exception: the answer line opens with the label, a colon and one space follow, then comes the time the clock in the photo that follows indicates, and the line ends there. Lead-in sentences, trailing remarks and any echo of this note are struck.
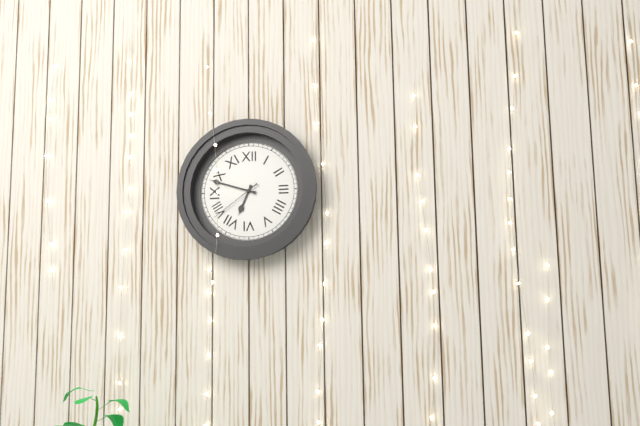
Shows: 6:48:39
